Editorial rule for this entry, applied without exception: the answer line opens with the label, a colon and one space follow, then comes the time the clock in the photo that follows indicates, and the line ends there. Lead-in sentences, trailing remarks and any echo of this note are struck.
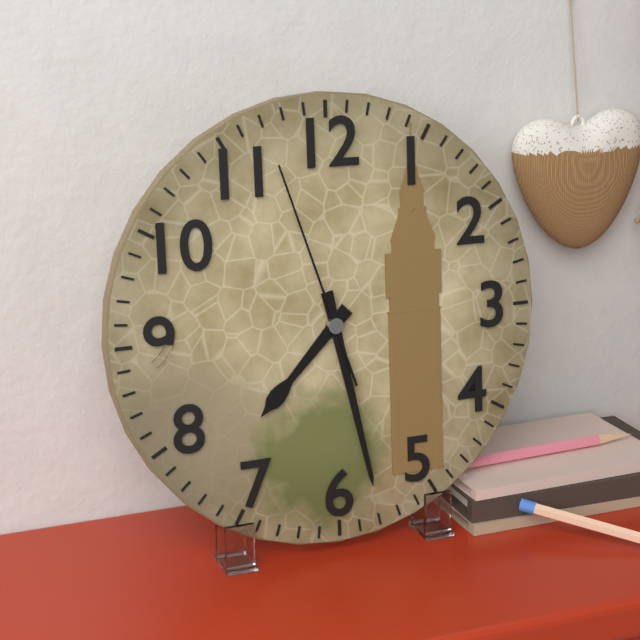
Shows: 7:28:57
